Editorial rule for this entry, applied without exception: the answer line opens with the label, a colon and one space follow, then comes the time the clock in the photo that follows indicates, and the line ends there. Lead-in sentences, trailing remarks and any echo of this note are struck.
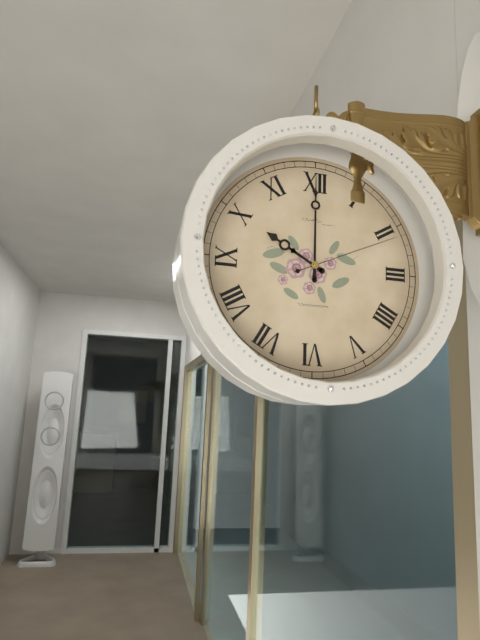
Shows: 10:00:11
